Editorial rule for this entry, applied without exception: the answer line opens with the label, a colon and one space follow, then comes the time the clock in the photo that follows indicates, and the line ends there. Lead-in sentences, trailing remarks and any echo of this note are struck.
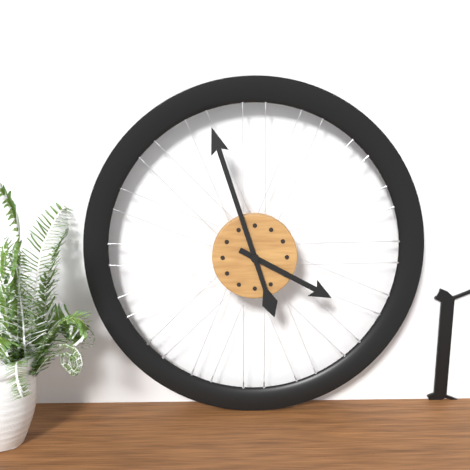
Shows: 3:57
